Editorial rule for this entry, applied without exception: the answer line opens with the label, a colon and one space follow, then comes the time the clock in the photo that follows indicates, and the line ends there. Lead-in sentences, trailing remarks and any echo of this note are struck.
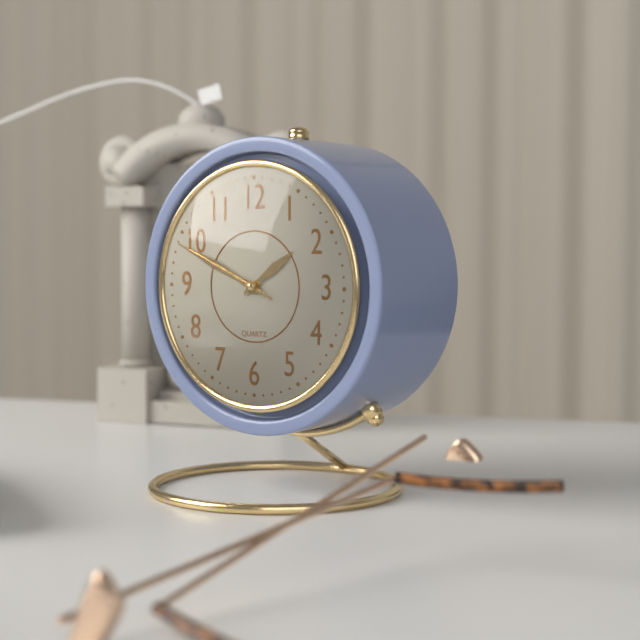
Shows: 1:49:49
